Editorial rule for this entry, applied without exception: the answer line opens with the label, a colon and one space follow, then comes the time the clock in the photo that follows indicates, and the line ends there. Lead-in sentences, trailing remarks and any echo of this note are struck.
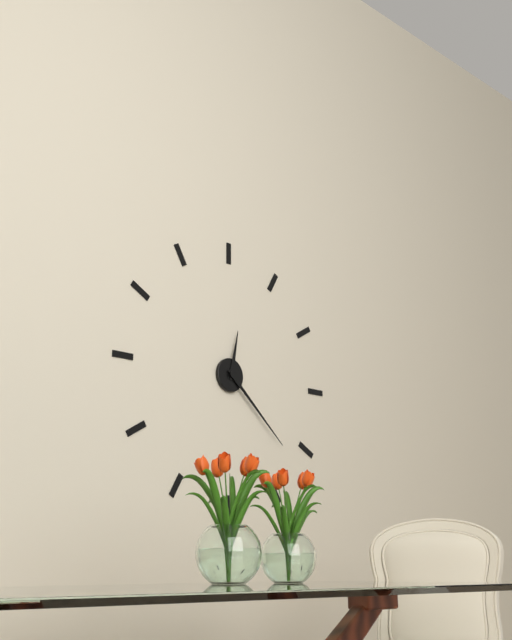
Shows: 12:22
